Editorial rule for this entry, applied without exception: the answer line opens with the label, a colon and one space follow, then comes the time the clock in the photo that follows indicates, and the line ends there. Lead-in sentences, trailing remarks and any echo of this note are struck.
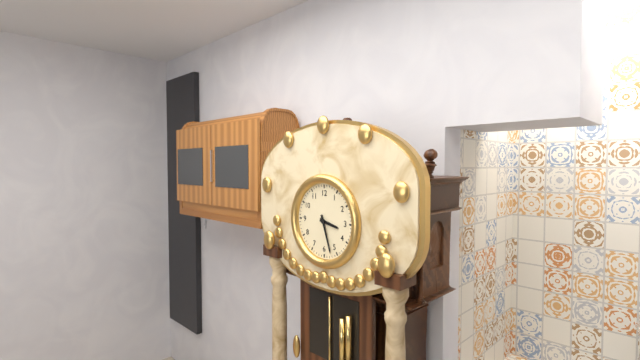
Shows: 3:27
